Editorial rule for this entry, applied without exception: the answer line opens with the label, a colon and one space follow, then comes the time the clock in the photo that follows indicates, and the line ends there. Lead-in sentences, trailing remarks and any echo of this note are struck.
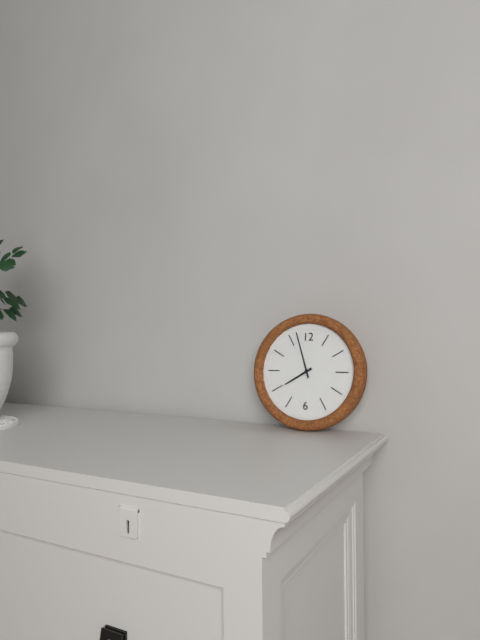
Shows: 7:57
